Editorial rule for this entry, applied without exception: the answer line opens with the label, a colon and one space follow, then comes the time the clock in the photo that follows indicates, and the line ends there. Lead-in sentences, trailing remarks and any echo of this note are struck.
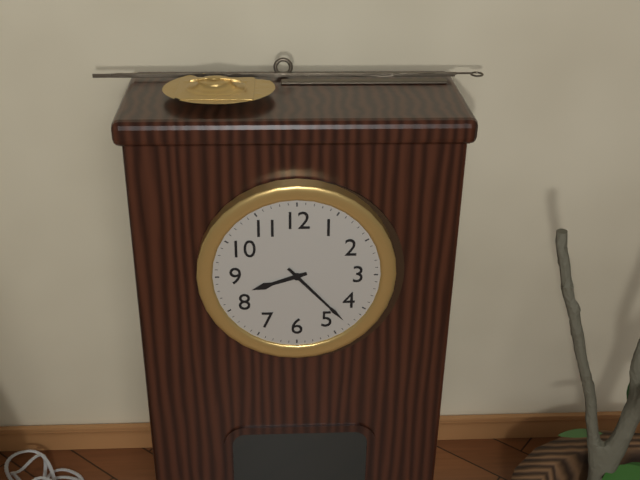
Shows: 8:23
